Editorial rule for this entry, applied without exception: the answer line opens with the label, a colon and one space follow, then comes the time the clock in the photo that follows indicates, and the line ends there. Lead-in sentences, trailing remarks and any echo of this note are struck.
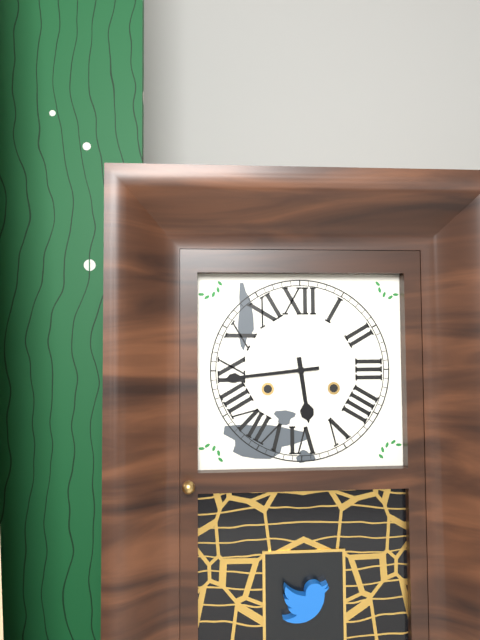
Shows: 5:44
